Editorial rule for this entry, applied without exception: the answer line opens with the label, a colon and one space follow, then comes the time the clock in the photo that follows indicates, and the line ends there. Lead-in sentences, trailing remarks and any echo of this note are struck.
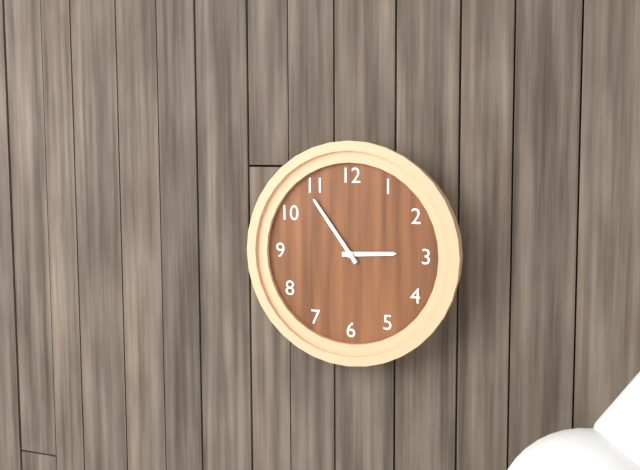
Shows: 2:54
